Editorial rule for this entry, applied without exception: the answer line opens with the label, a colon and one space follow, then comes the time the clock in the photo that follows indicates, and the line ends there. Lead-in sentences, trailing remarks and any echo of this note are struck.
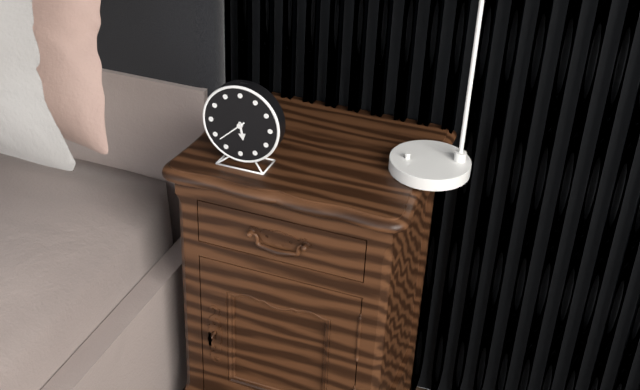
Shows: 5:38
